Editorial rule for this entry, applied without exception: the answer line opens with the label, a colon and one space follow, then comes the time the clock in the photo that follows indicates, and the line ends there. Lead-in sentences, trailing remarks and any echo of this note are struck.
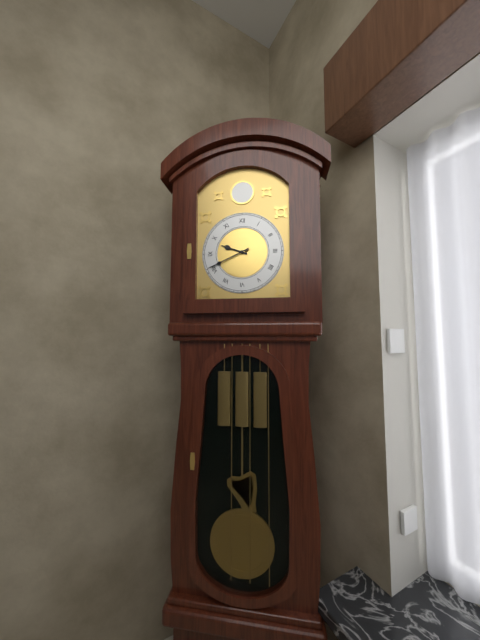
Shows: 9:41
